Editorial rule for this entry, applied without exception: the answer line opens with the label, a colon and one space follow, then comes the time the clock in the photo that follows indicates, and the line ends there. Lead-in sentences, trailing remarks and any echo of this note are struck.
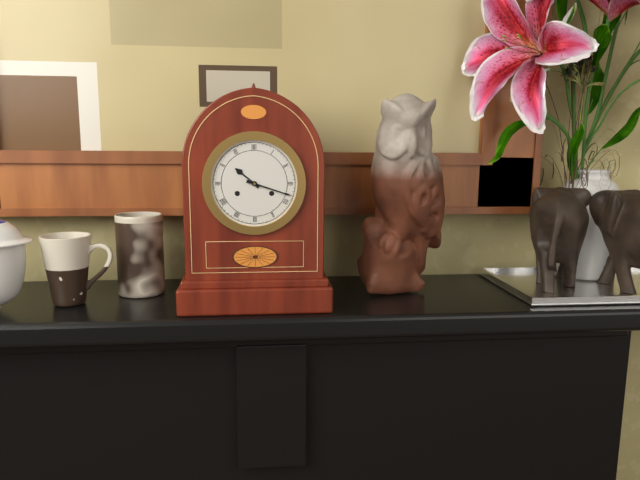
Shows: 10:18
